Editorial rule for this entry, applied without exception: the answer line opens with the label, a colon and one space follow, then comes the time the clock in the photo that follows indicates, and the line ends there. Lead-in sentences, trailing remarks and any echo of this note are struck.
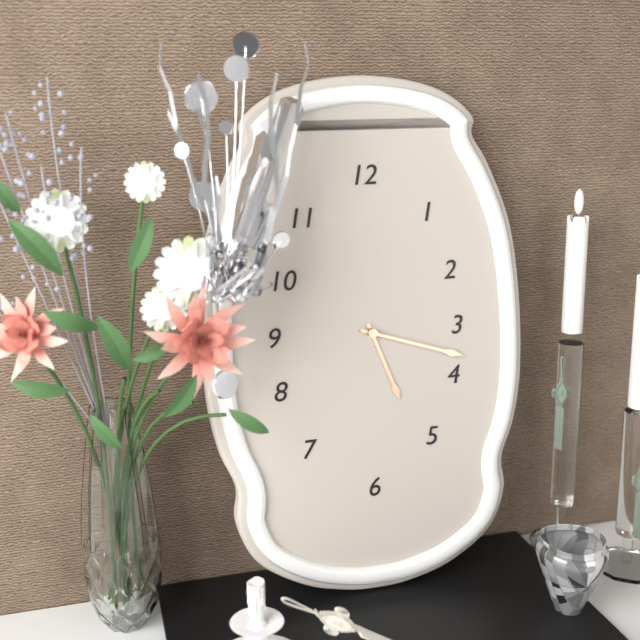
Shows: 5:18
